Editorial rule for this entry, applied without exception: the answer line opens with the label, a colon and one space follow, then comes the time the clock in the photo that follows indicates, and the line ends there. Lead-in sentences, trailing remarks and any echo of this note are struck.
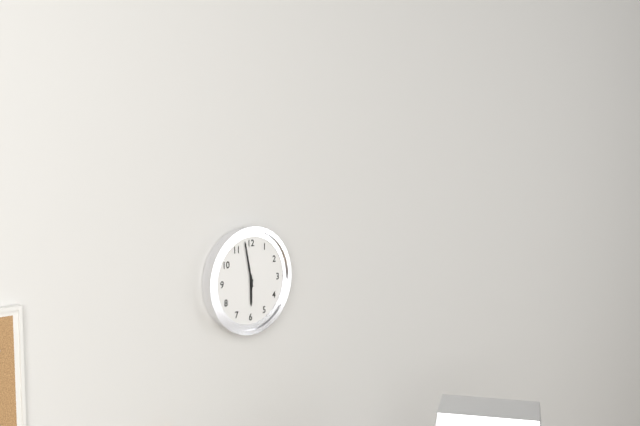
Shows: 5:58
